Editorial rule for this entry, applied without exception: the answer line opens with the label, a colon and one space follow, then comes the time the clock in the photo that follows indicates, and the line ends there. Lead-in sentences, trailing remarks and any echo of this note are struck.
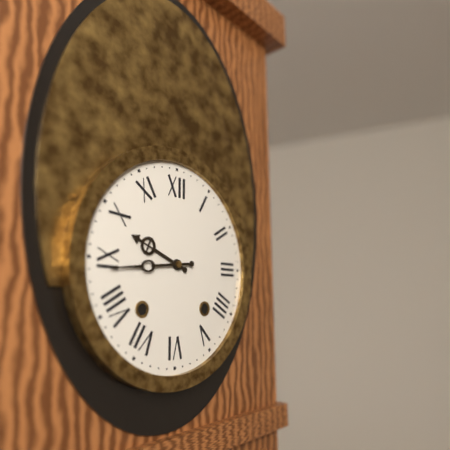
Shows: 9:44
